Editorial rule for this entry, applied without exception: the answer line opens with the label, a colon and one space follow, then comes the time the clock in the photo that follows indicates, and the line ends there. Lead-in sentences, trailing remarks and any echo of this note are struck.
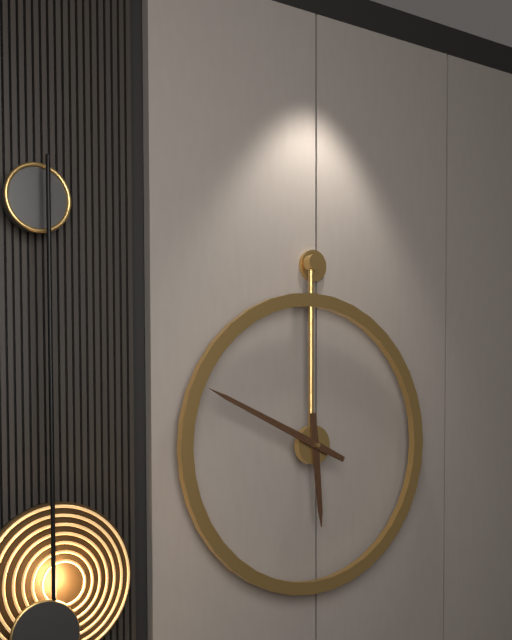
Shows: 5:49
